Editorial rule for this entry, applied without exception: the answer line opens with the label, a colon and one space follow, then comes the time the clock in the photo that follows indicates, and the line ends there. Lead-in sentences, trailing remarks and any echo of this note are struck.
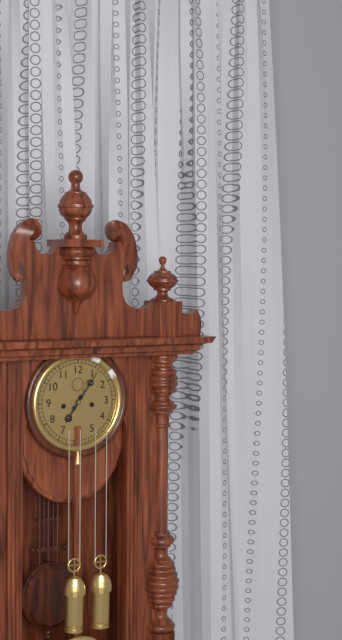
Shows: 7:06
